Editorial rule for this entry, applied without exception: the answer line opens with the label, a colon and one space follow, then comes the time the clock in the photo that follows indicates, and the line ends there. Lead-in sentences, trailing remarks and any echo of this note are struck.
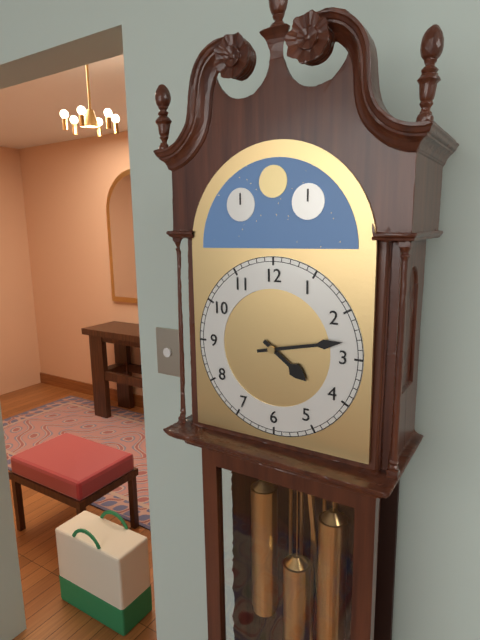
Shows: 4:13
